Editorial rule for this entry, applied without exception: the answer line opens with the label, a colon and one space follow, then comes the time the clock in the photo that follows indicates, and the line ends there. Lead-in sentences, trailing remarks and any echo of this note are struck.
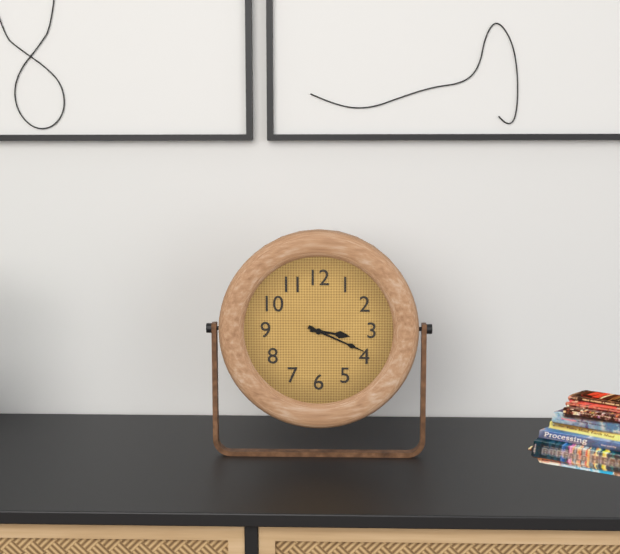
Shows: 3:19
